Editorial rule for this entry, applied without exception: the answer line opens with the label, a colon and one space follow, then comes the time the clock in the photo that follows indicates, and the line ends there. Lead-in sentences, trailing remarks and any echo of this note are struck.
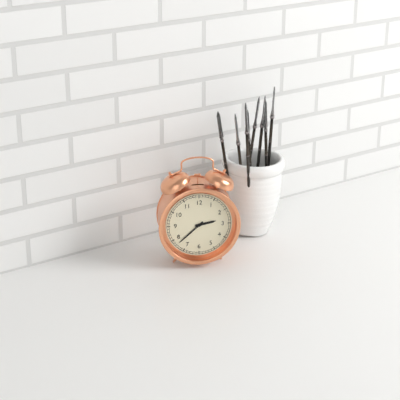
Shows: 2:38
